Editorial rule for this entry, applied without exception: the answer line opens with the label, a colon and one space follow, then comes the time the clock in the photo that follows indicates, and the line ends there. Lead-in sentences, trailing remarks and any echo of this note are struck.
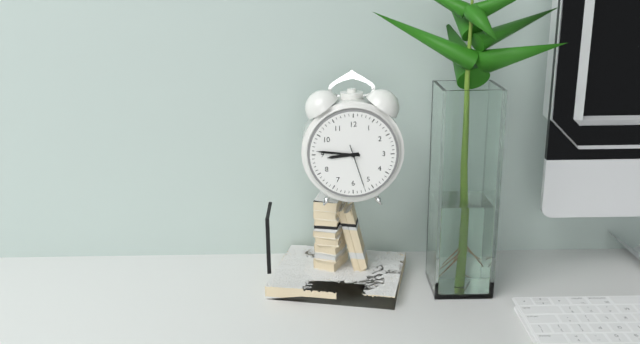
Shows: 8:46
